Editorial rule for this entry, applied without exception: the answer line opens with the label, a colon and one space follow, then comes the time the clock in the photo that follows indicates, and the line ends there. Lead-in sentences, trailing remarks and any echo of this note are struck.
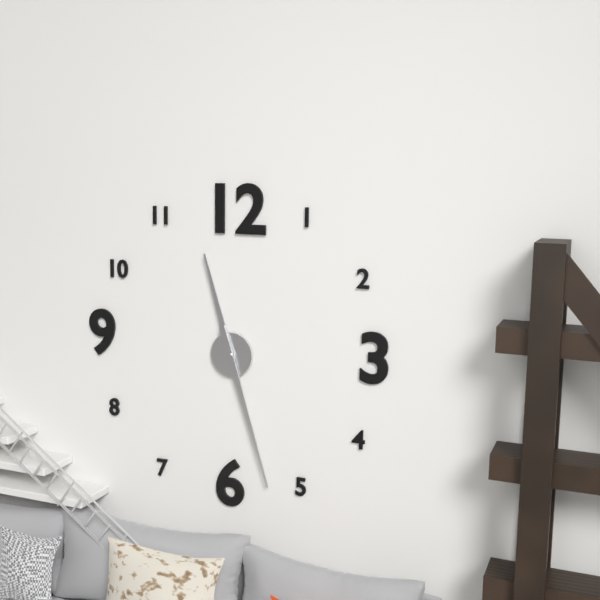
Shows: 11:27
